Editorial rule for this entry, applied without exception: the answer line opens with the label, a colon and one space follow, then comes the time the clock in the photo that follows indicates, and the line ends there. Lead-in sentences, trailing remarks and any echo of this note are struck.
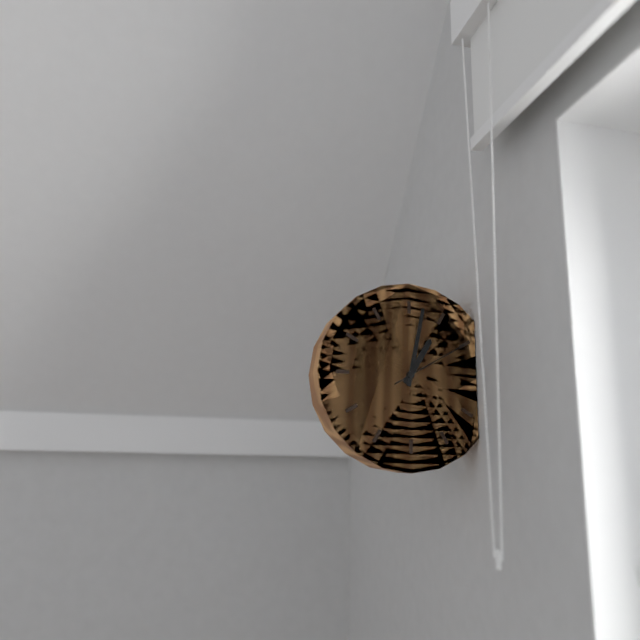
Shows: 1:02:10
